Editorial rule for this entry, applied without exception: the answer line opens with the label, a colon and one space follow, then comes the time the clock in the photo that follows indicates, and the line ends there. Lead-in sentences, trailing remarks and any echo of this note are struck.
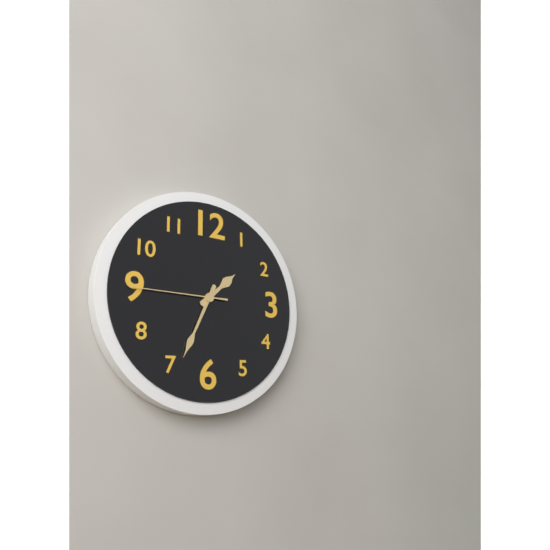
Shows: 1:34:45
